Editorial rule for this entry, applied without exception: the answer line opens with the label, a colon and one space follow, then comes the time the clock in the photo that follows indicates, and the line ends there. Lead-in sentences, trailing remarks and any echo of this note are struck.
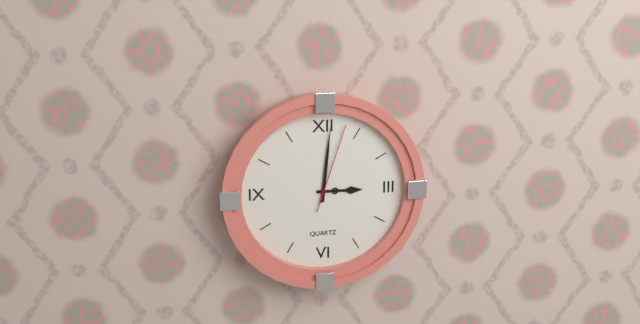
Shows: 3:01:03
